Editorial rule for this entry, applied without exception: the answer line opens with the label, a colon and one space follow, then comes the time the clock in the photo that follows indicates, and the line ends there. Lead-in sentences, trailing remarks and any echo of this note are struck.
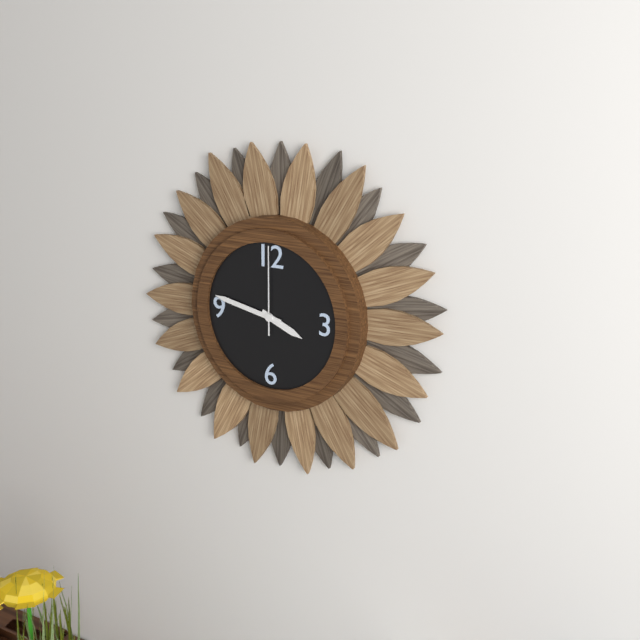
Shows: 3:47:00
